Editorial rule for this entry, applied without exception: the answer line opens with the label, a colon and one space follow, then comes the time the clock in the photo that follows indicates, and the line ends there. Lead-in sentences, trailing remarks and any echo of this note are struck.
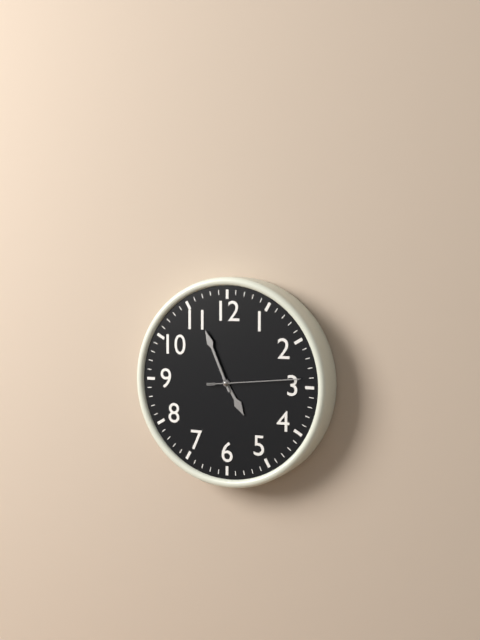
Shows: 4:56:14
